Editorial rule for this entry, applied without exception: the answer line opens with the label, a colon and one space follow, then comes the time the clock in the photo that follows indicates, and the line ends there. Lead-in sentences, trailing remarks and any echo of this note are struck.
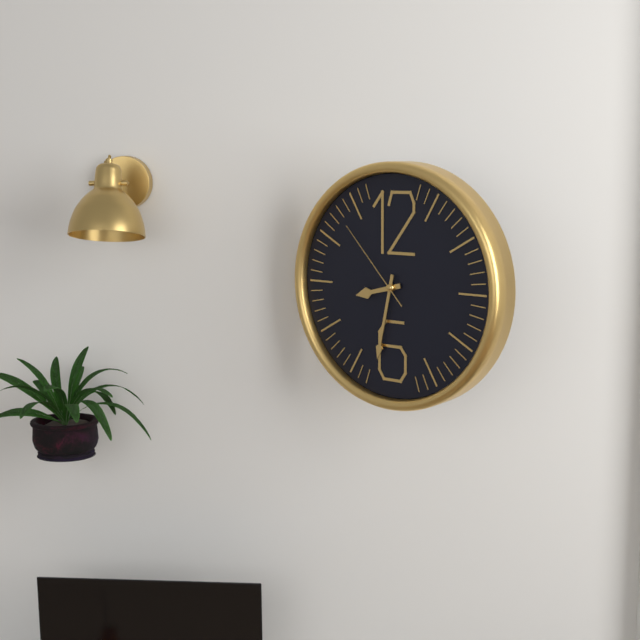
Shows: 8:32:53
